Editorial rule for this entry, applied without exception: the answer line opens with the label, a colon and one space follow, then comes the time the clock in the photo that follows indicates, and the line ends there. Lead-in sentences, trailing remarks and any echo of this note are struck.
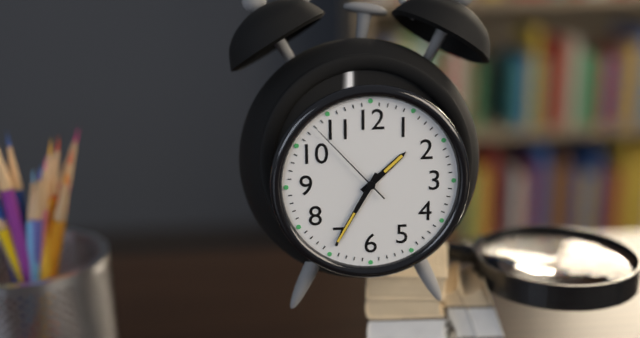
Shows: 1:35:53
